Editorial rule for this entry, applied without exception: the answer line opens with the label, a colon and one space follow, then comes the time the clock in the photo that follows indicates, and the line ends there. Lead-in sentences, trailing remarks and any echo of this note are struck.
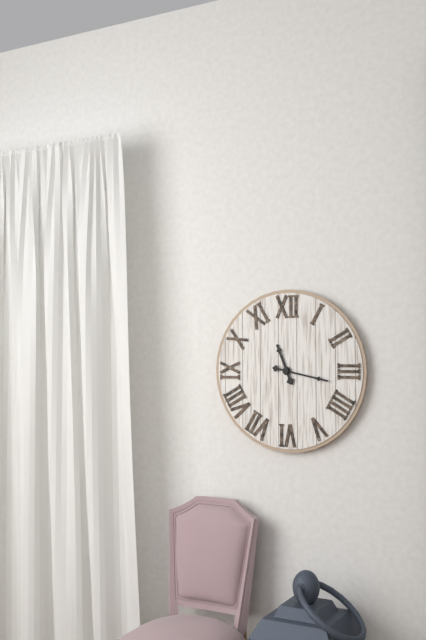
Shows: 11:17
